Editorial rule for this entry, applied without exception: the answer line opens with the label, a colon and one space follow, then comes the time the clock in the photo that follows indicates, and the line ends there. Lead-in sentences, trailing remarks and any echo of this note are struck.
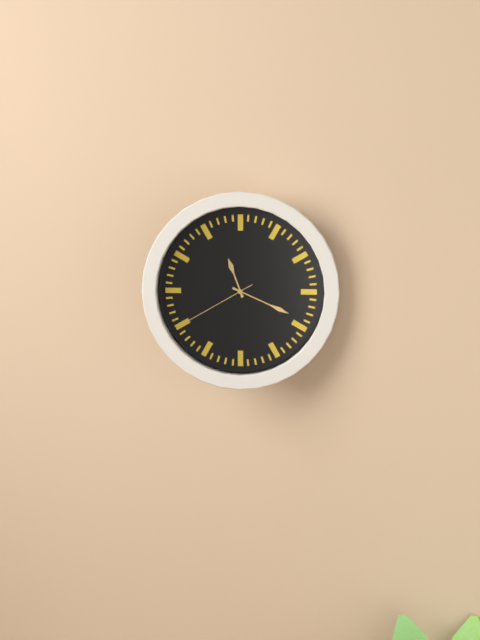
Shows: 11:19:40
